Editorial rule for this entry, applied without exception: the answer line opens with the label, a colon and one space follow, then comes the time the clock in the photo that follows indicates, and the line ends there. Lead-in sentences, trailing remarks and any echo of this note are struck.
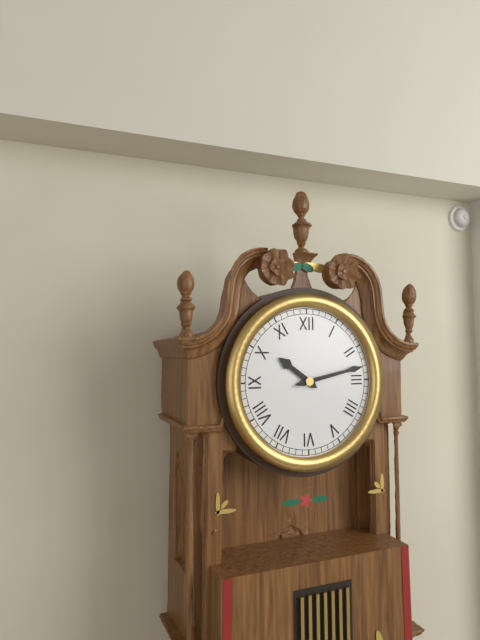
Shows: 10:13
